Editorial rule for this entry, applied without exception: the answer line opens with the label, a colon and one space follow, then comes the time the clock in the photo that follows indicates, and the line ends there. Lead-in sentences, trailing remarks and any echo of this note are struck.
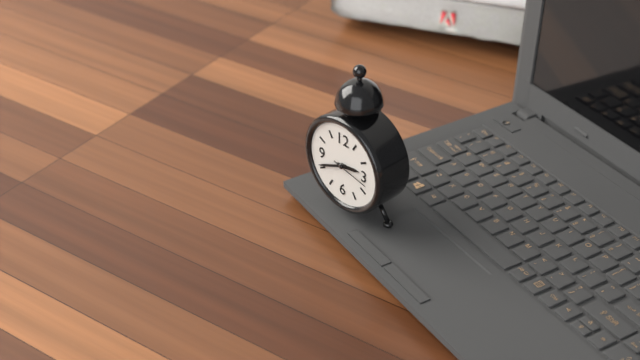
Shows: 2:41
